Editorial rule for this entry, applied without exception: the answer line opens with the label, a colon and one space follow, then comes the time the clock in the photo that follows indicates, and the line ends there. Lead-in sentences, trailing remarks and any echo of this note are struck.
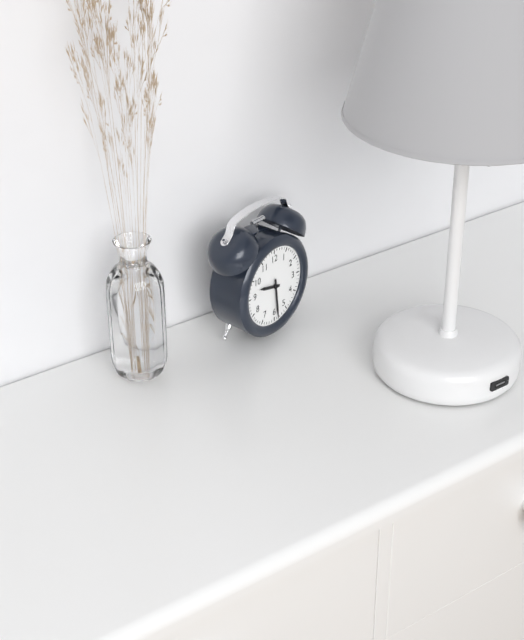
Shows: 9:29
